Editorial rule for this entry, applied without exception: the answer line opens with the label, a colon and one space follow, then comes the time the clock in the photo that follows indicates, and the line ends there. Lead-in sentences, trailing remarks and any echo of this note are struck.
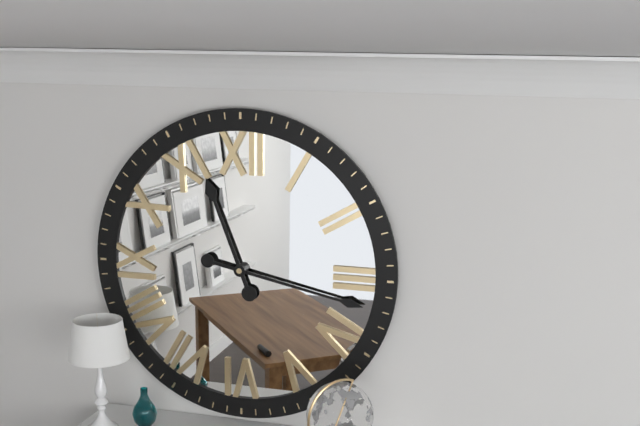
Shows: 11:17
